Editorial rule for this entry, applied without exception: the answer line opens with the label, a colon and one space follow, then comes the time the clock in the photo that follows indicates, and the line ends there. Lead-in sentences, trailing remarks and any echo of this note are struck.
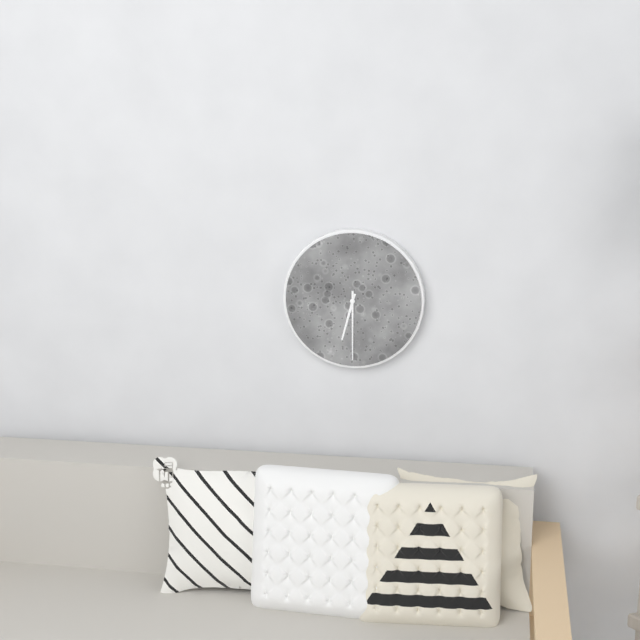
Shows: 6:30
